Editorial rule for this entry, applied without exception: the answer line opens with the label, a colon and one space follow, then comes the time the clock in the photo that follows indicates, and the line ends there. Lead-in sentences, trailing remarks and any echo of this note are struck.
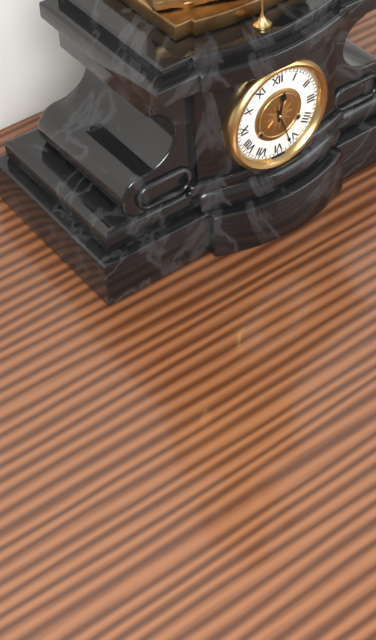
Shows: 12:27
